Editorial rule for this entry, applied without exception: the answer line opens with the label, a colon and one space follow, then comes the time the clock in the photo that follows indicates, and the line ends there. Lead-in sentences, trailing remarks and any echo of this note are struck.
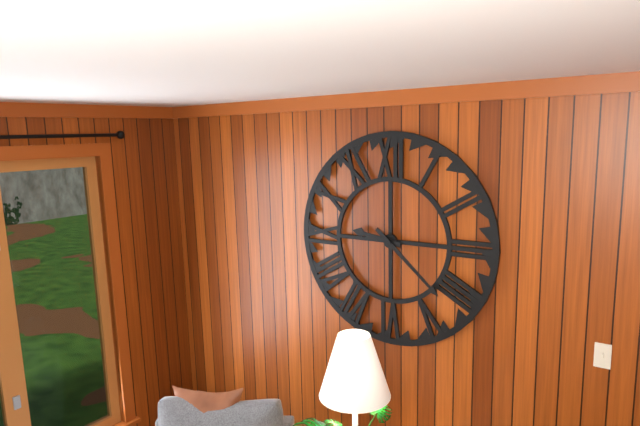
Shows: 9:22
